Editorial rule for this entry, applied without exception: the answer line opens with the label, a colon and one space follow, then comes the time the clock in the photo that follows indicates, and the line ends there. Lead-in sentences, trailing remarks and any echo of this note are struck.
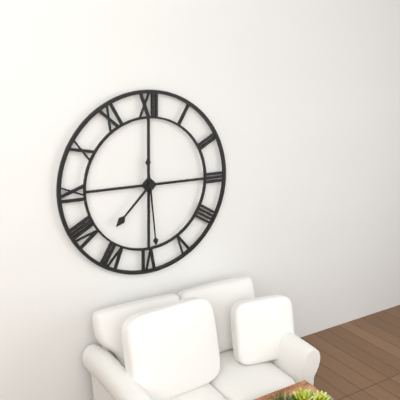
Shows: 7:29
